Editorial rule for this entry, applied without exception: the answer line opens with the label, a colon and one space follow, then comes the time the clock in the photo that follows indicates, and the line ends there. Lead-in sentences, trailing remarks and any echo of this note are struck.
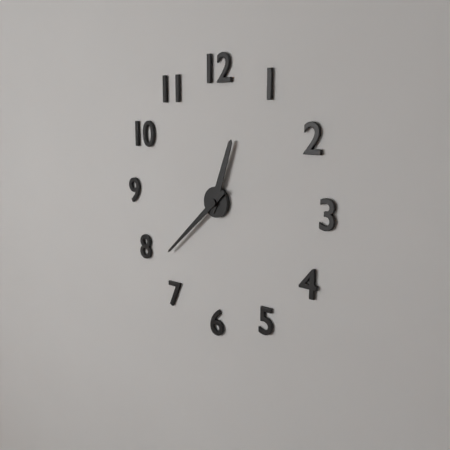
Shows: 12:38
